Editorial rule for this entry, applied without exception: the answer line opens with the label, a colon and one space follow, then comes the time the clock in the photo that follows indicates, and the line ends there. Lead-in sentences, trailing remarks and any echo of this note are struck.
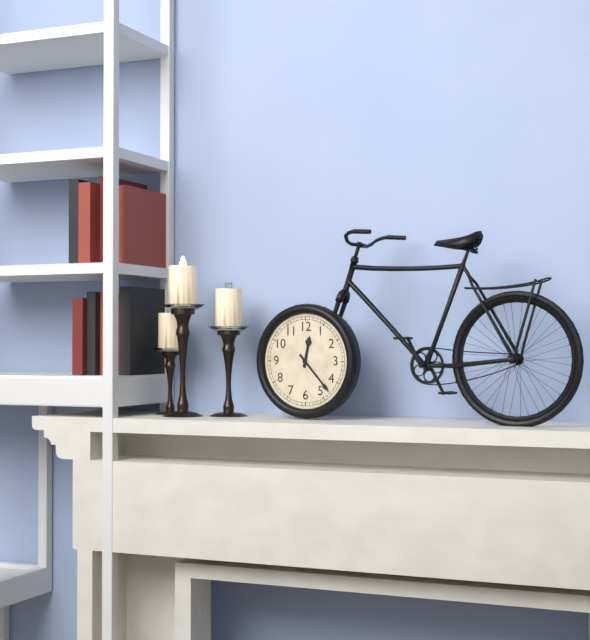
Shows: 12:23
